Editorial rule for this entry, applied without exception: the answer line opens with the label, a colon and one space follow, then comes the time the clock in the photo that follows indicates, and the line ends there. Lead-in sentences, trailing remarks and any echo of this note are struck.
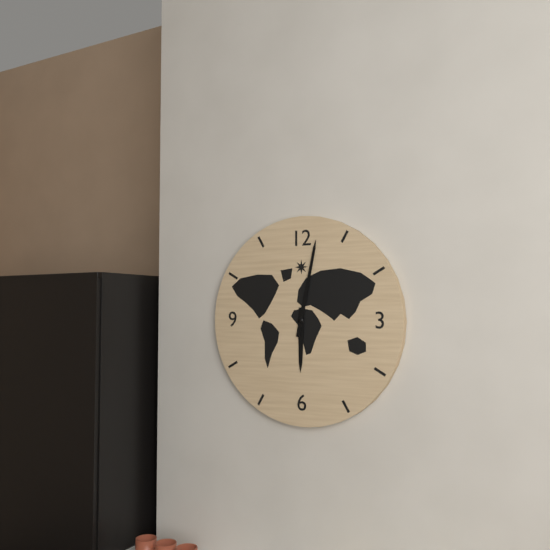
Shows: 6:02
